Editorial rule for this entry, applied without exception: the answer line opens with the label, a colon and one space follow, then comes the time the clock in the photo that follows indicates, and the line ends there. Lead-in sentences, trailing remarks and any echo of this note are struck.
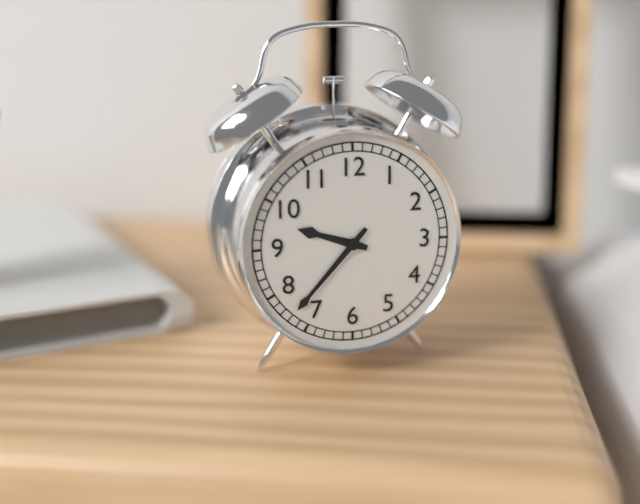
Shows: 9:37
